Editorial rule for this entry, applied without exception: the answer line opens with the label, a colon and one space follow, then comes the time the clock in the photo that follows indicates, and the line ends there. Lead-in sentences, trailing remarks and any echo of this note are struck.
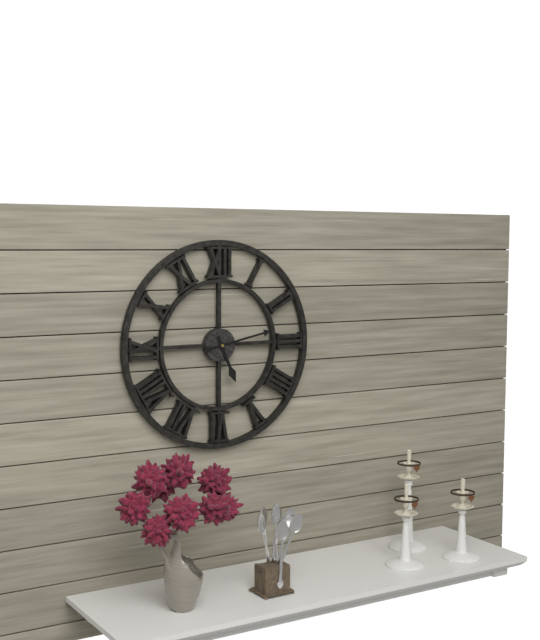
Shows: 5:13
